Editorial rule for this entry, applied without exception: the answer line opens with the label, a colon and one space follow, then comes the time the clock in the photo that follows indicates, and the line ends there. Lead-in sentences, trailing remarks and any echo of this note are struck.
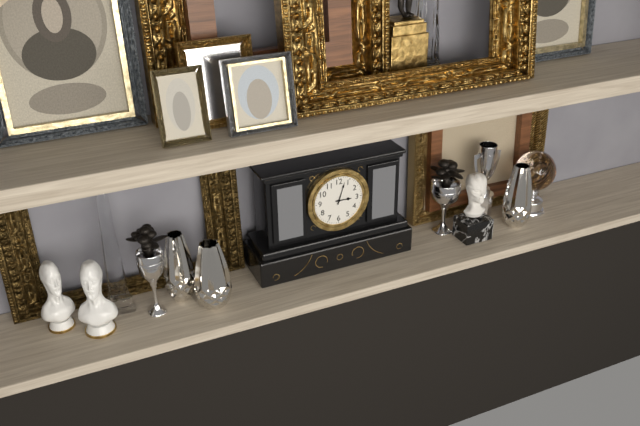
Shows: 3:03
